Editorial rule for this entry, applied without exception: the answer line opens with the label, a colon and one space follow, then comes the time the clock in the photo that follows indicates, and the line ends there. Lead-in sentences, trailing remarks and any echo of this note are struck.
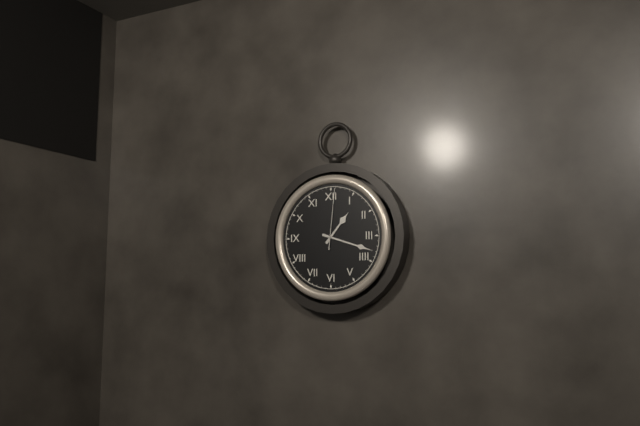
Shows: 1:18:01
